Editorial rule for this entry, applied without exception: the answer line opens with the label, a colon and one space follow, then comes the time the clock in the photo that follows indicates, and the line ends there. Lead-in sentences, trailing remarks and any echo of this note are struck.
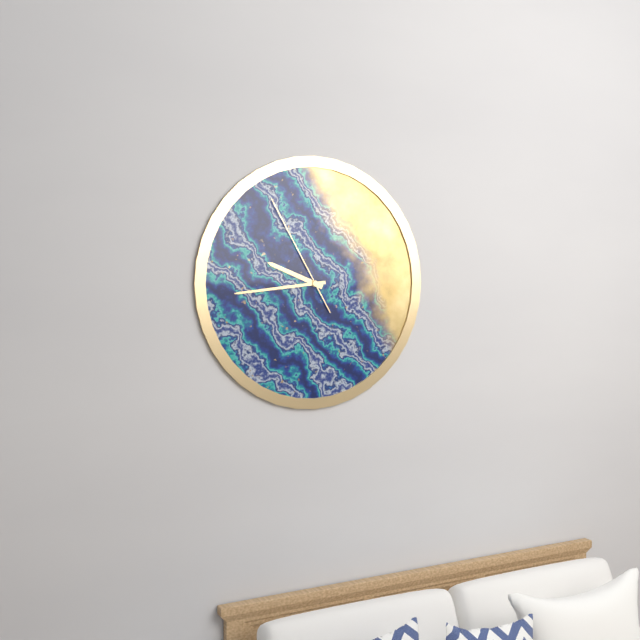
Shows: 9:44:55
